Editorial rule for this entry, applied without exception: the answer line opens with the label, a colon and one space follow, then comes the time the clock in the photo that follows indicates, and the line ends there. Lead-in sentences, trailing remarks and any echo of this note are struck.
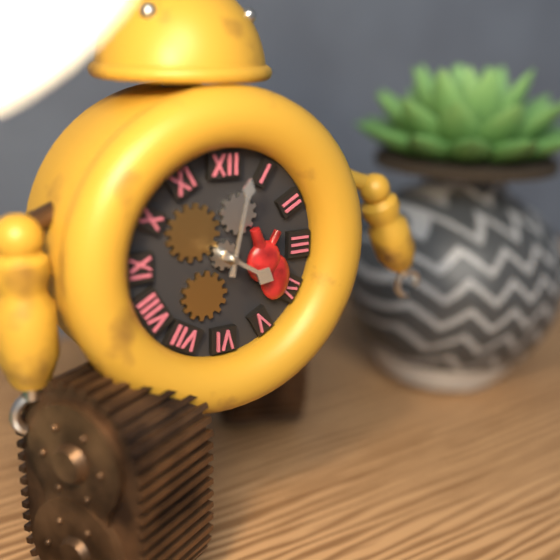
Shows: 4:02
